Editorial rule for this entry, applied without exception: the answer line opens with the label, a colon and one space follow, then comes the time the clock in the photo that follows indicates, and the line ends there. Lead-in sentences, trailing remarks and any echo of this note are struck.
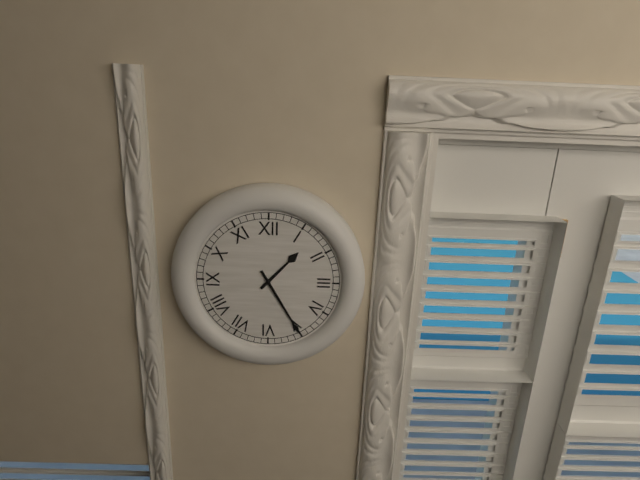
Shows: 1:25
